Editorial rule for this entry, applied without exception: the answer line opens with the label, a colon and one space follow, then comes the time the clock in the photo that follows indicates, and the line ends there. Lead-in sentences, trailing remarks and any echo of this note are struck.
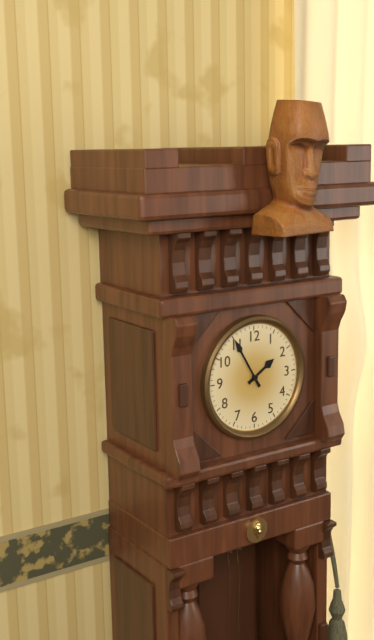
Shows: 1:55
